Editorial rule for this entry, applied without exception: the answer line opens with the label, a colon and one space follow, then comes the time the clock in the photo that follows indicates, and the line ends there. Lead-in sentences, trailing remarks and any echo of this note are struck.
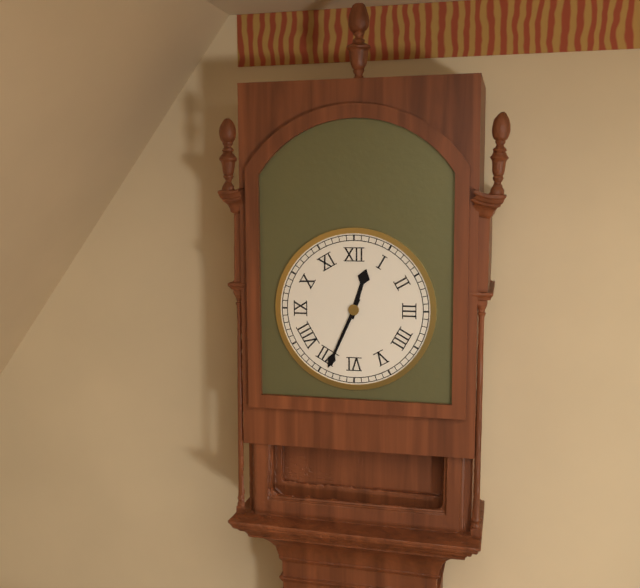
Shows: 12:34
